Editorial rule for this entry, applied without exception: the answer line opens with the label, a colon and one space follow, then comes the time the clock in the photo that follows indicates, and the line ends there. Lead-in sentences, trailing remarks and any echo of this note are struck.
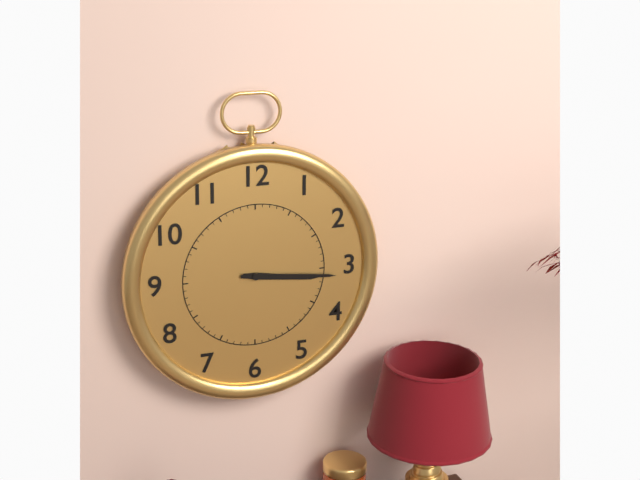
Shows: 3:16
